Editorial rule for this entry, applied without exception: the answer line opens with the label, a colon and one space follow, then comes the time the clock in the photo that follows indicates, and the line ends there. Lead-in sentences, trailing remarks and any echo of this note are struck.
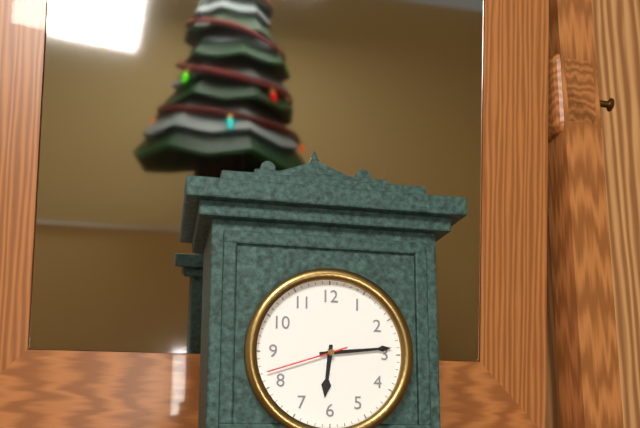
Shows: 6:14:42
